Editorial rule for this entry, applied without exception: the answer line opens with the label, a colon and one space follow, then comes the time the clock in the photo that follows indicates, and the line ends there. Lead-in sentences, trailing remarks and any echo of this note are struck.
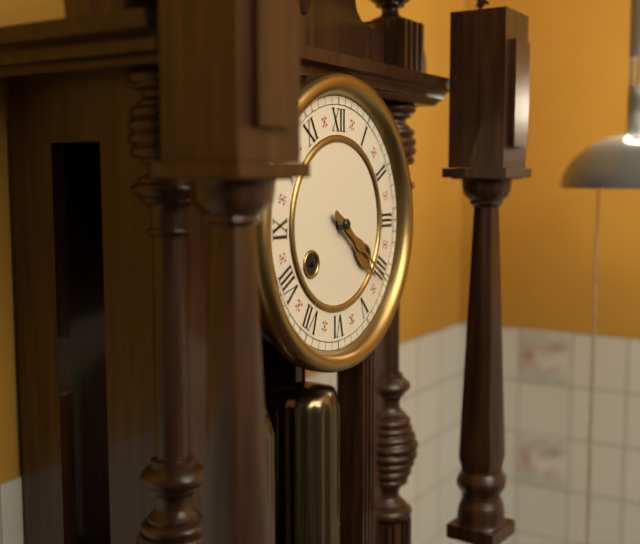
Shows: 4:21
